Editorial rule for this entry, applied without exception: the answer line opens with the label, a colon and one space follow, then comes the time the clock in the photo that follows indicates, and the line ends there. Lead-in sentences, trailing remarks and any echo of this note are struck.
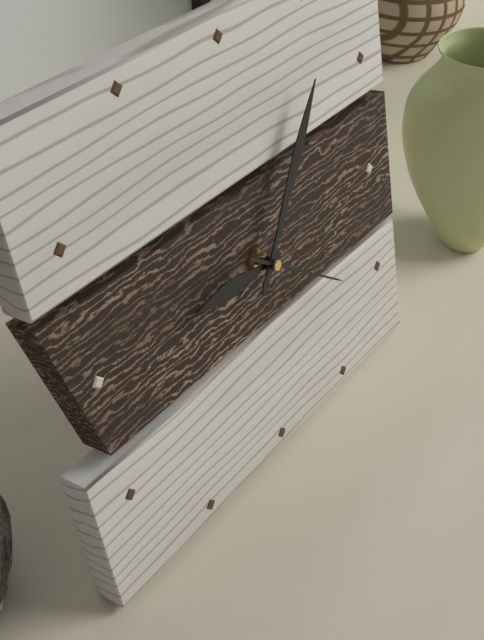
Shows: 9:06:21
